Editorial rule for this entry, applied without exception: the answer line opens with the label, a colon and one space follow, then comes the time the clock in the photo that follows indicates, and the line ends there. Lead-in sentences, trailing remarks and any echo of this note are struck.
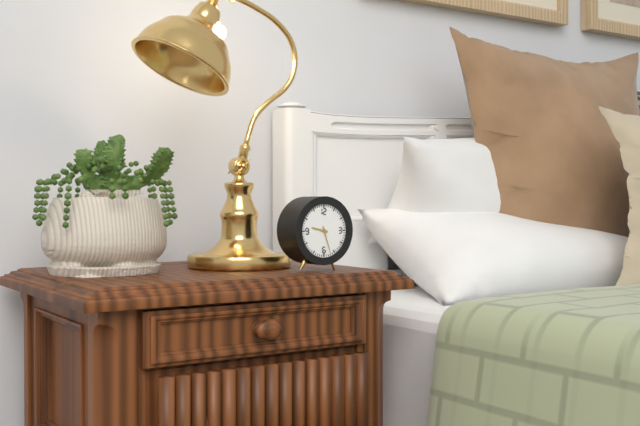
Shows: 9:27
